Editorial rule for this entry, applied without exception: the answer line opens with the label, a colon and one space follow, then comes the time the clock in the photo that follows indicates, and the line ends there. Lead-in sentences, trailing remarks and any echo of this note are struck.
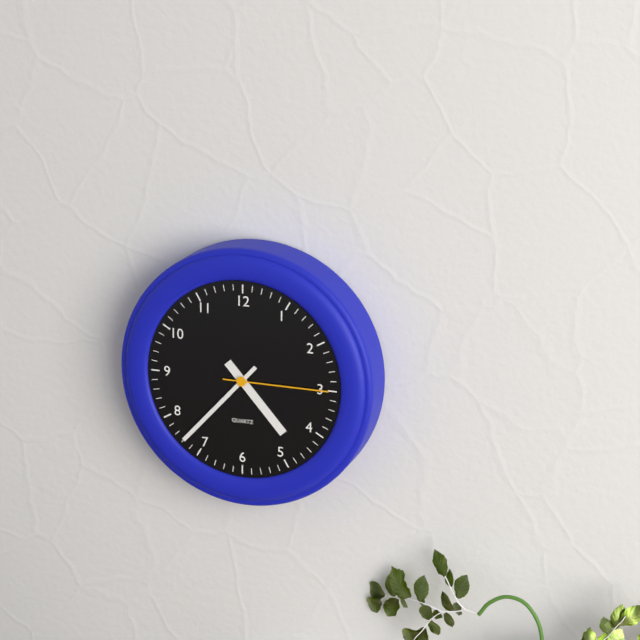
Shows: 4:37:15
